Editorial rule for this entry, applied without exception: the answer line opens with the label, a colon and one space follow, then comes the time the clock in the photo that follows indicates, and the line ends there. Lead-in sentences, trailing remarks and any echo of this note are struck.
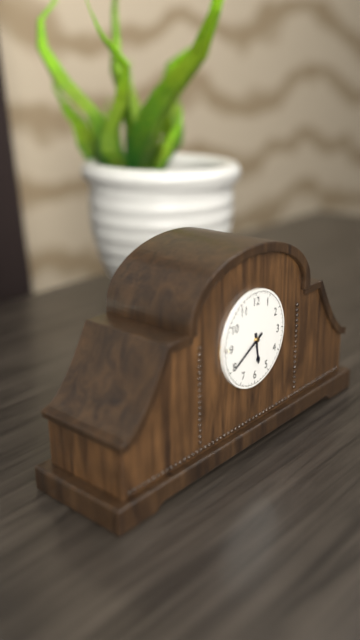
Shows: 5:40
